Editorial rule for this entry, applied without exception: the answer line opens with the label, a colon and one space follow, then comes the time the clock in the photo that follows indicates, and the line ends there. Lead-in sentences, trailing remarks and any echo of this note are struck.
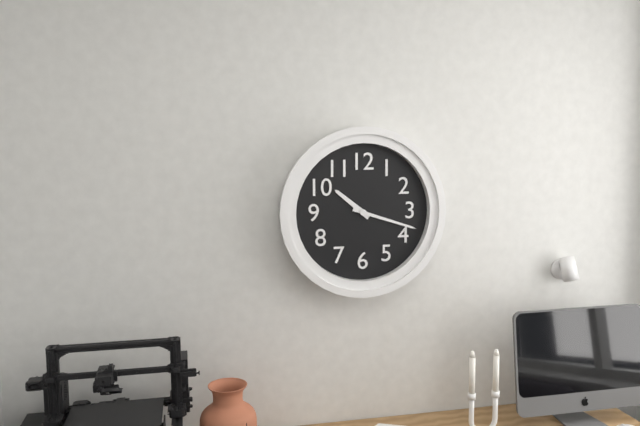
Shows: 10:18
